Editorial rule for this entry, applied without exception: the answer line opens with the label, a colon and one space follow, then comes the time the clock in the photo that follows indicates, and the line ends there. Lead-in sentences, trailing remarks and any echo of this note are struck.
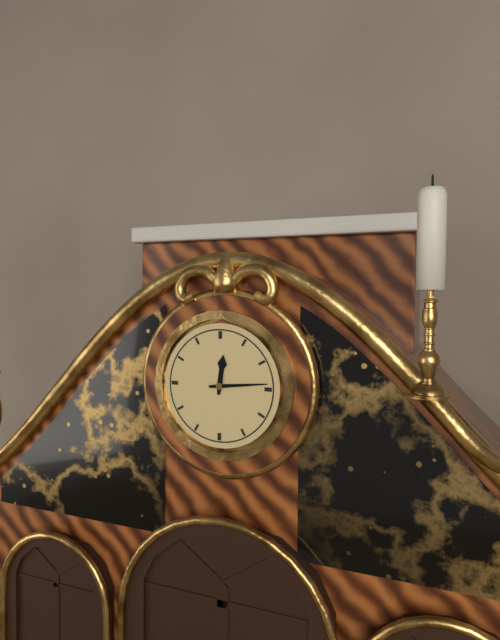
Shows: 12:14
